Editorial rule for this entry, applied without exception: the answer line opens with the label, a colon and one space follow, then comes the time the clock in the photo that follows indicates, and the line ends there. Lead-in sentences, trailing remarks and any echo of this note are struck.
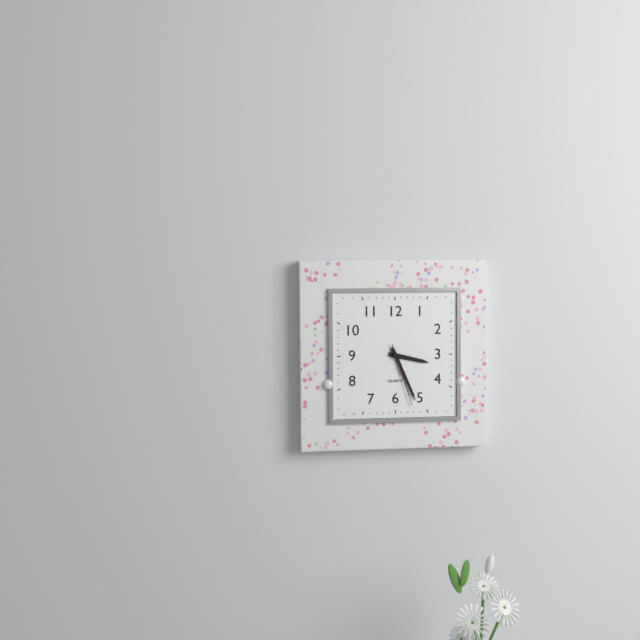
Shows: 3:26:27
